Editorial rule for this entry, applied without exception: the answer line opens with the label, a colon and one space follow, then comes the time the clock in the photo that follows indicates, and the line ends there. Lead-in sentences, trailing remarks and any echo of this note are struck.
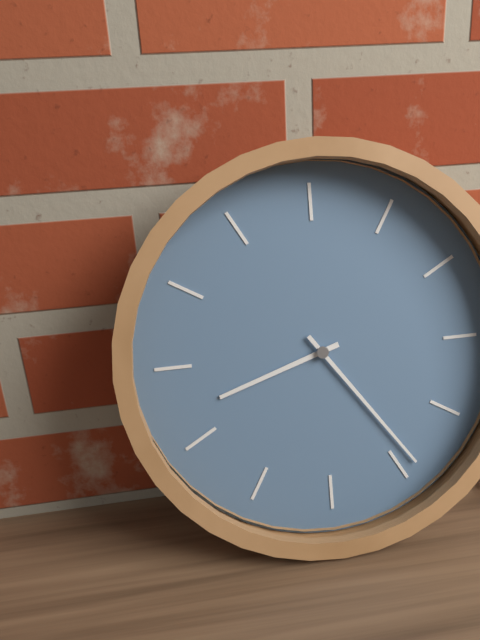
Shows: 8:24
